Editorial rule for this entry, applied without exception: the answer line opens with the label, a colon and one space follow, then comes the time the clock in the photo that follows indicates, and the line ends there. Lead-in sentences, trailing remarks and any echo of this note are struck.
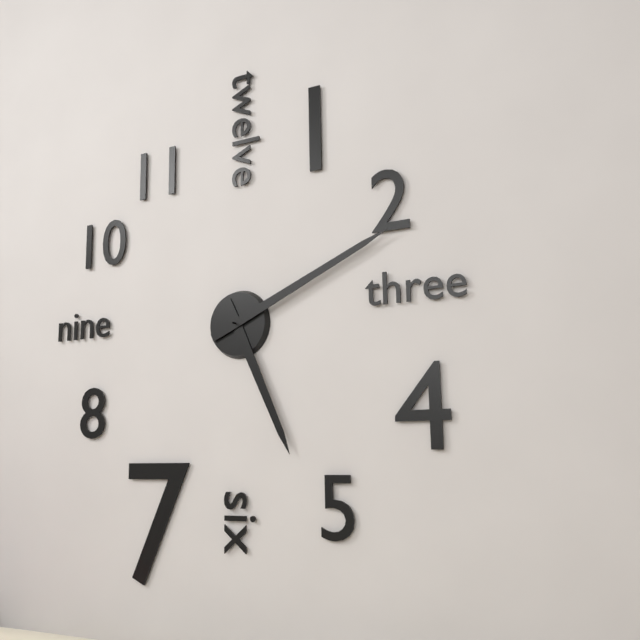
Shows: 5:11
